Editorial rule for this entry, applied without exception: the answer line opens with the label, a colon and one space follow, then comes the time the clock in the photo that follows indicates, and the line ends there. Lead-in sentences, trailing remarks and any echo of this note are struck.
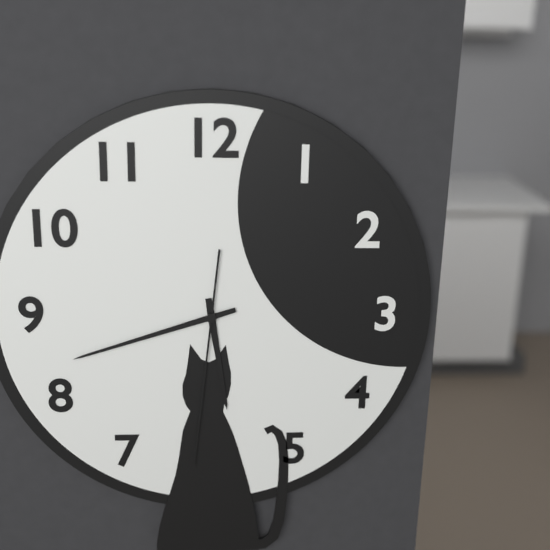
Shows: 5:42:31
